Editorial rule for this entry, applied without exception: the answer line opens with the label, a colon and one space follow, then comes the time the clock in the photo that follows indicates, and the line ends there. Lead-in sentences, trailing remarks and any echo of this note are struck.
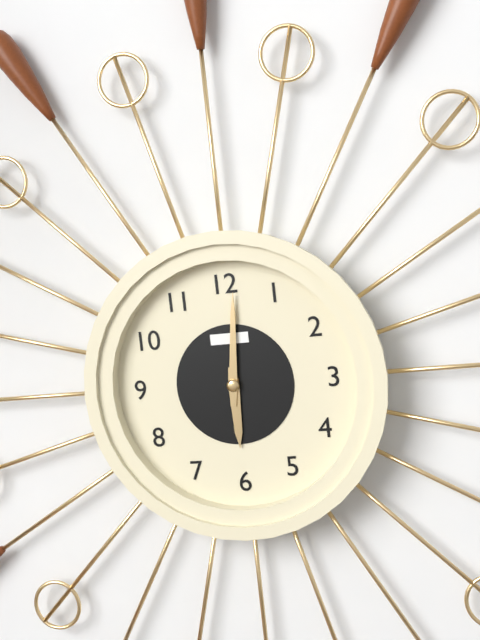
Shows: 6:01
